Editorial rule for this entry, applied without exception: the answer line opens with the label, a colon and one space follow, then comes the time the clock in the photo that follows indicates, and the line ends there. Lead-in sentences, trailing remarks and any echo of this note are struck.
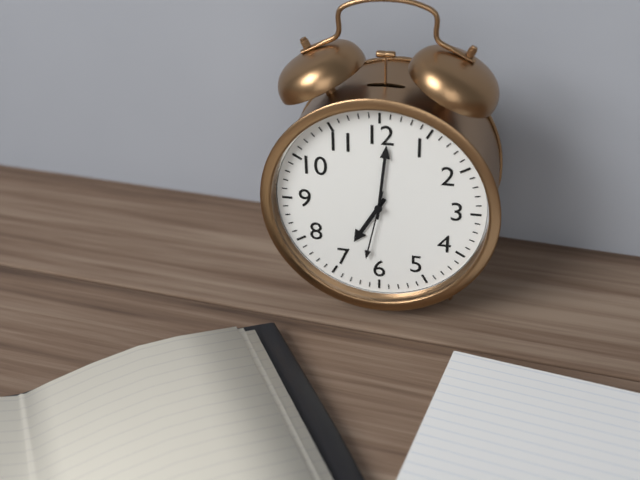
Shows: 7:01:32
